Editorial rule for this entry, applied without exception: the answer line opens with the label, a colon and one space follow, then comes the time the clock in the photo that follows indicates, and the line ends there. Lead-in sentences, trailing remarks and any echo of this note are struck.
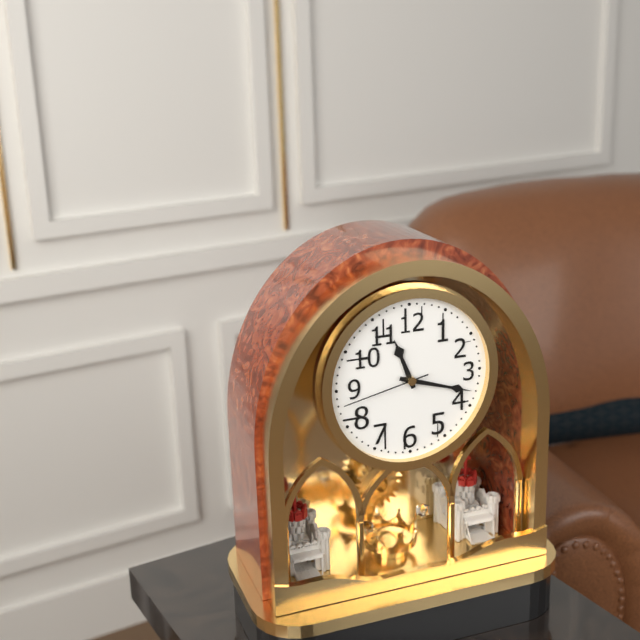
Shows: 11:18:43
